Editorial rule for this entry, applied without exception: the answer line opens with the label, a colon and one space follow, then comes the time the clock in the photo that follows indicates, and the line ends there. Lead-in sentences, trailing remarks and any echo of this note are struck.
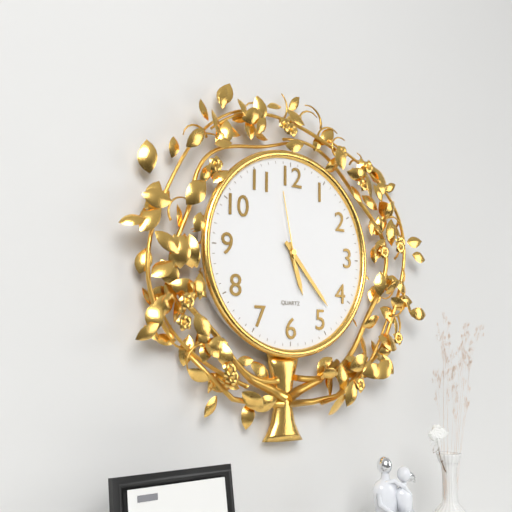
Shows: 5:23:58
